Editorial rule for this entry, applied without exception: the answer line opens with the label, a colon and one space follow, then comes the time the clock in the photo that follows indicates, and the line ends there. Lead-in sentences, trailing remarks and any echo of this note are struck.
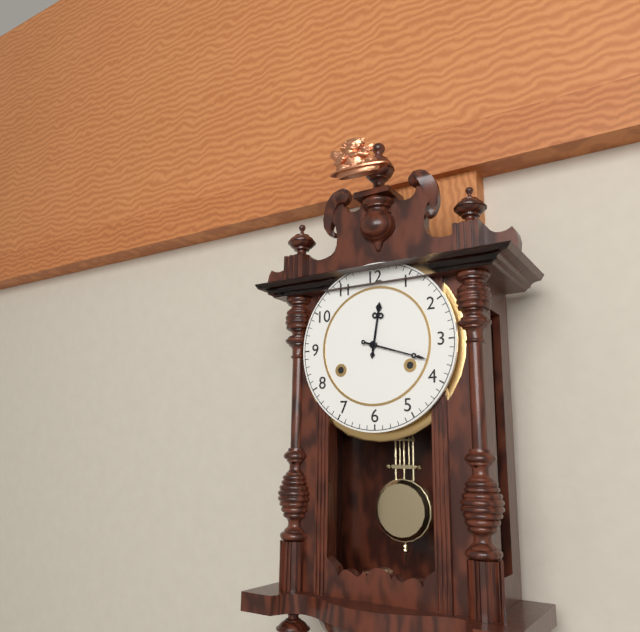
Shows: 12:18
